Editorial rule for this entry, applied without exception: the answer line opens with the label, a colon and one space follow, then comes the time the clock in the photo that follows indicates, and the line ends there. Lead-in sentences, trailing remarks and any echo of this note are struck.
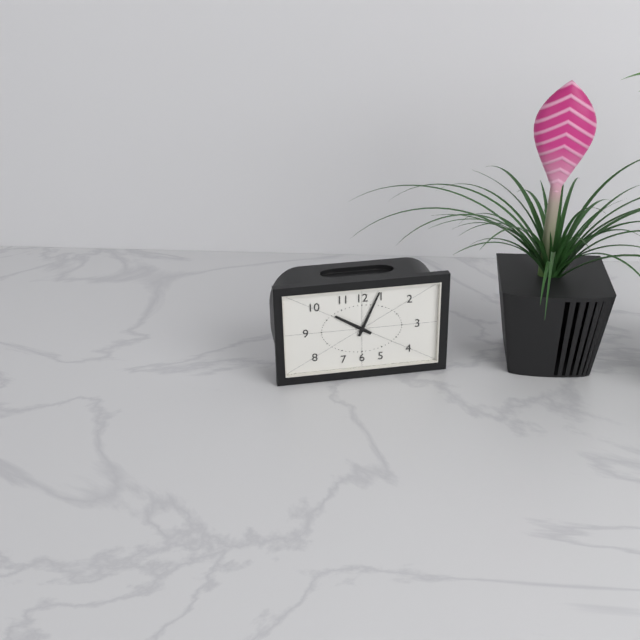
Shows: 10:04
